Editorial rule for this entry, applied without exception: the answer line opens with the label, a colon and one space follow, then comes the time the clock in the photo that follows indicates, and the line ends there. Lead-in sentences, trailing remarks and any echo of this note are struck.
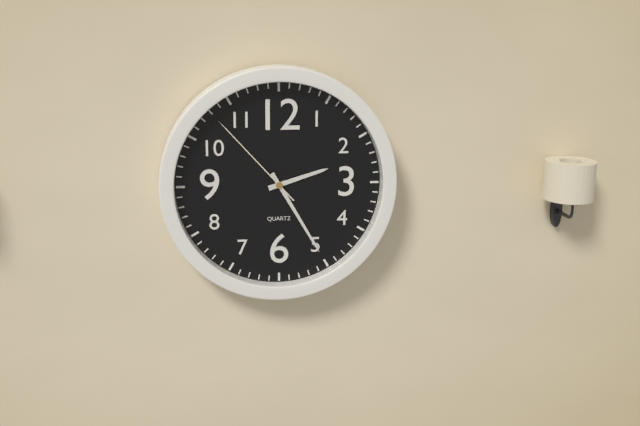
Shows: 2:25:53
